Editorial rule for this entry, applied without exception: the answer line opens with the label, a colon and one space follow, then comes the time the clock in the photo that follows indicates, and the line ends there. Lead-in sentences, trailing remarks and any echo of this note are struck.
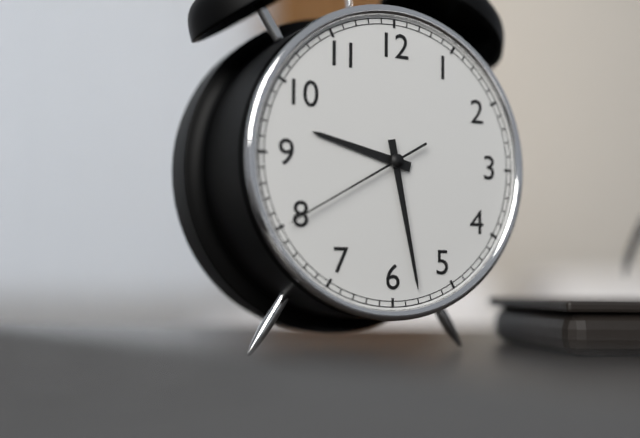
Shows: 9:28:40
